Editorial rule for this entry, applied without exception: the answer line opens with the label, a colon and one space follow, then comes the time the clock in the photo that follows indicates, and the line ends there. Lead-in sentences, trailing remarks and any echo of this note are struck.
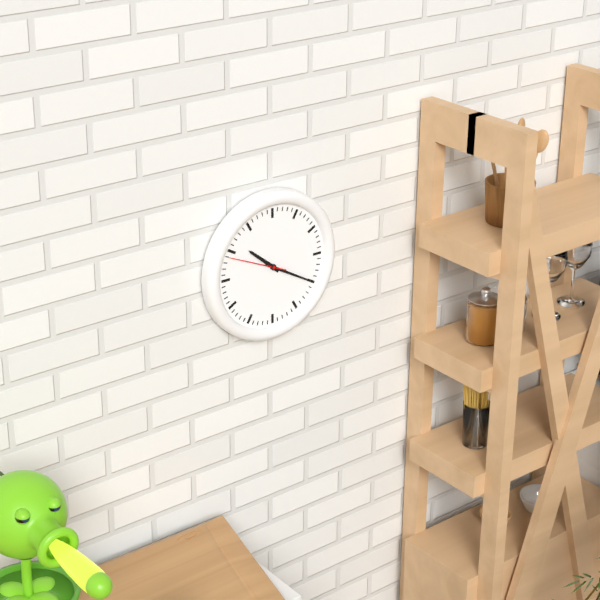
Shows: 10:20:49
